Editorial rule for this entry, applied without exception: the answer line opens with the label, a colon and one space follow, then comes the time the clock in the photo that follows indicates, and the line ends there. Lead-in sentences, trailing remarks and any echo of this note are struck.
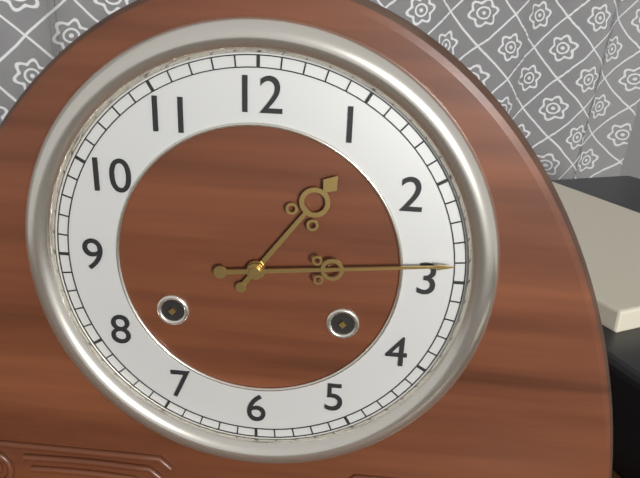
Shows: 1:14
